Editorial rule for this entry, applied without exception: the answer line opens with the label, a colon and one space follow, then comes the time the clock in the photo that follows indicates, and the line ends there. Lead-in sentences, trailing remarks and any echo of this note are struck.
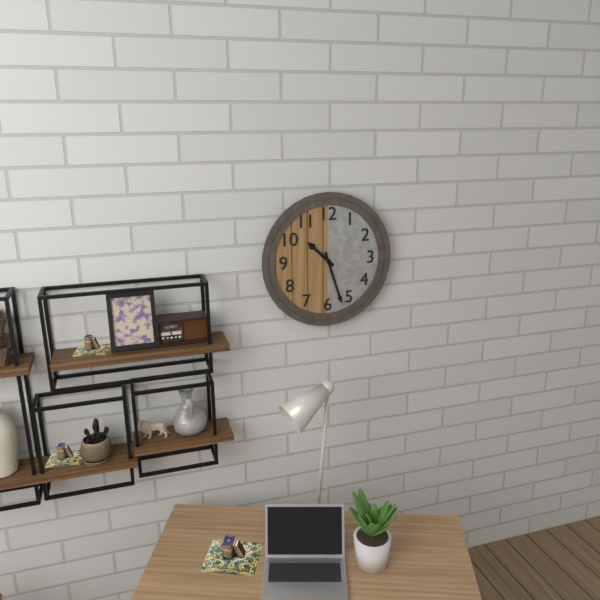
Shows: 10:27
